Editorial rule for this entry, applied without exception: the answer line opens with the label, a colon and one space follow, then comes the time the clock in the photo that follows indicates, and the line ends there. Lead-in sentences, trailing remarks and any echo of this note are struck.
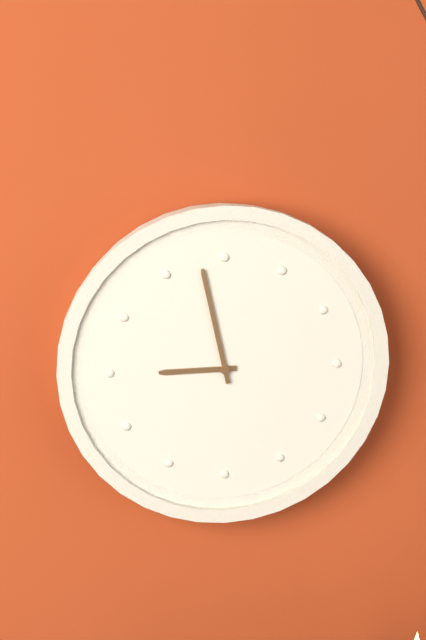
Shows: 8:58
